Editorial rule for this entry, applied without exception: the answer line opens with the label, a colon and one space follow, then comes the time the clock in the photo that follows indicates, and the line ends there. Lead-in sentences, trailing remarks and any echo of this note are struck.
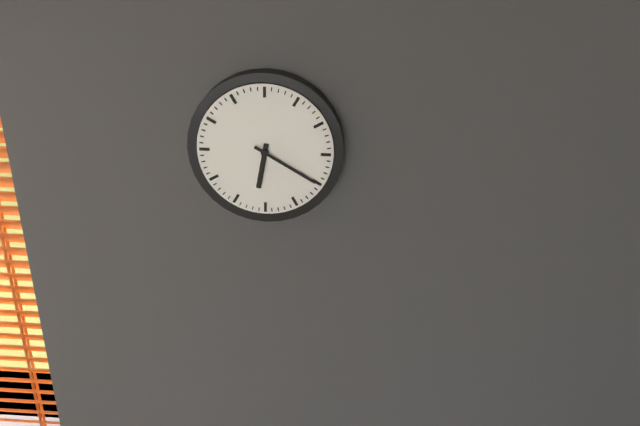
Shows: 6:20
